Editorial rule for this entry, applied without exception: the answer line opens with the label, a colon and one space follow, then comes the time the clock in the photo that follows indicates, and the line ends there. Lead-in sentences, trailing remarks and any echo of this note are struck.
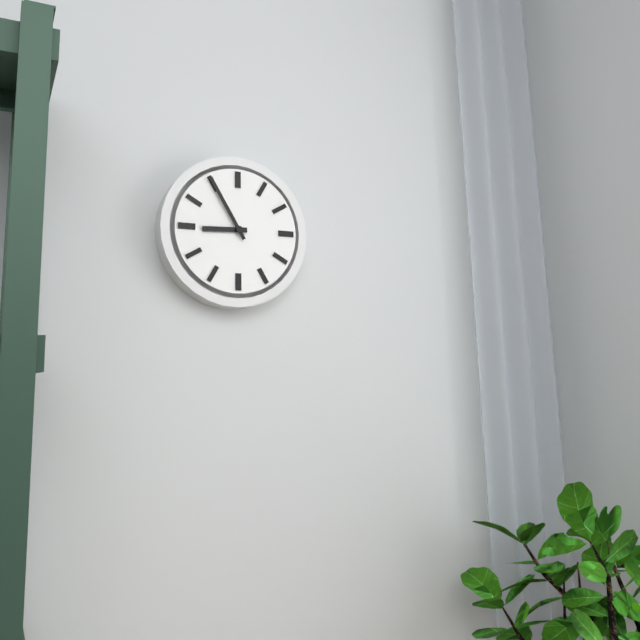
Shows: 8:55
